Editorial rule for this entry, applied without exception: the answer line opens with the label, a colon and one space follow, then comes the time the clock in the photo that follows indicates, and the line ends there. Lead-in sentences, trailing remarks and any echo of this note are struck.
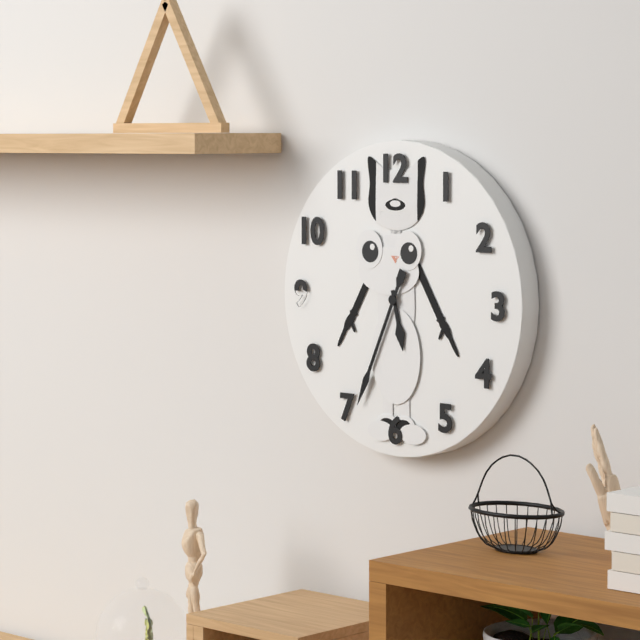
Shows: 5:34
